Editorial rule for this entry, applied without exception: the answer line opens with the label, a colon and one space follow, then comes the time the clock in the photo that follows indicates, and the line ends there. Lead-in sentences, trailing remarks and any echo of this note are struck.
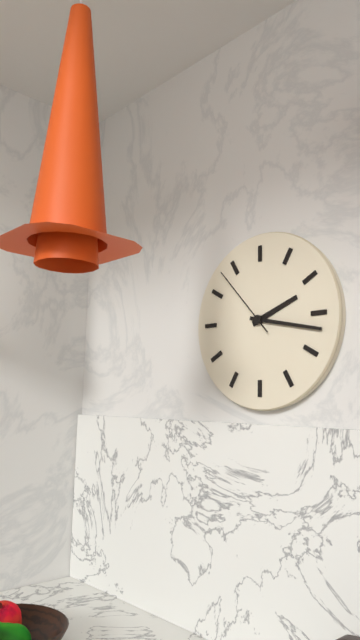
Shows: 2:17:53
